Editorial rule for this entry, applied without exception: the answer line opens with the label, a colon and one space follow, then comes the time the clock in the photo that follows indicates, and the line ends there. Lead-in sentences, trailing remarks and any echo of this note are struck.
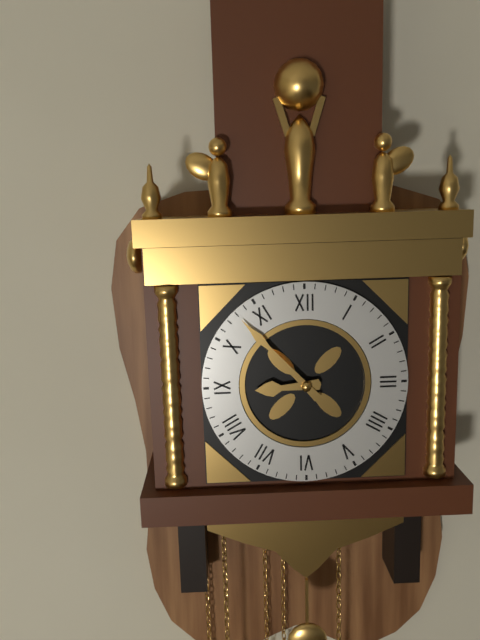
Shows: 8:53
